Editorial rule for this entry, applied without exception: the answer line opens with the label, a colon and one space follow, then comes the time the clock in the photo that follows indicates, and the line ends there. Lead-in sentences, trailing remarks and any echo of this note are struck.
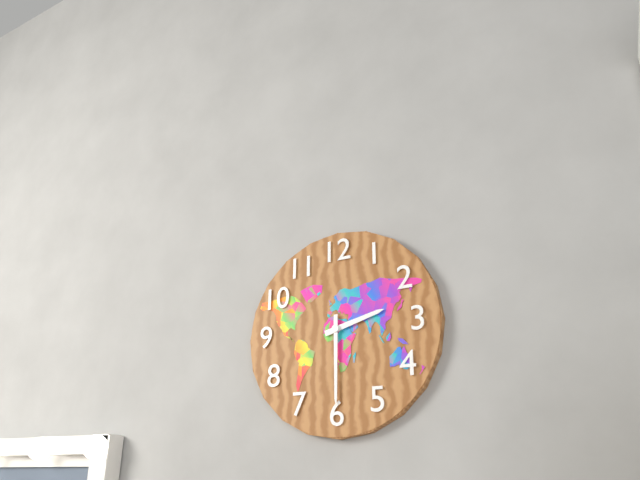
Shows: 2:30
